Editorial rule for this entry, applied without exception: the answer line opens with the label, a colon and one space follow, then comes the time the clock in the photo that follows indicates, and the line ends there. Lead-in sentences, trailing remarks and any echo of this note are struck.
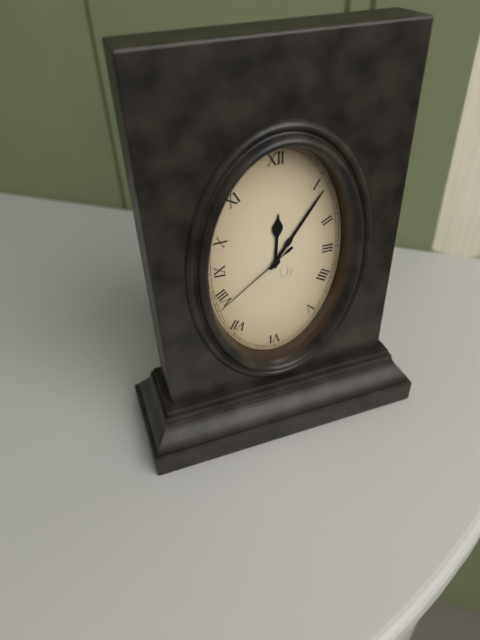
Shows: 12:06:39
